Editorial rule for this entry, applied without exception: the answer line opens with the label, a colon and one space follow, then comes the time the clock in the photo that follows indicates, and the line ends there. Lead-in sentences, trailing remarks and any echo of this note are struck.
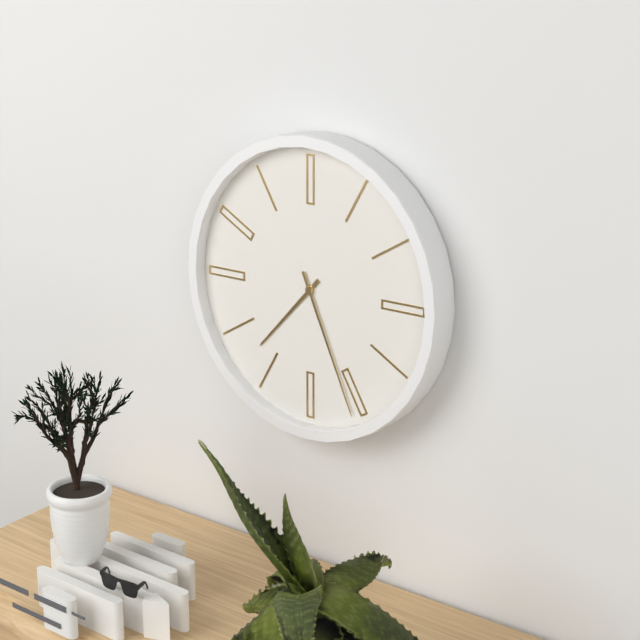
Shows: 7:26
